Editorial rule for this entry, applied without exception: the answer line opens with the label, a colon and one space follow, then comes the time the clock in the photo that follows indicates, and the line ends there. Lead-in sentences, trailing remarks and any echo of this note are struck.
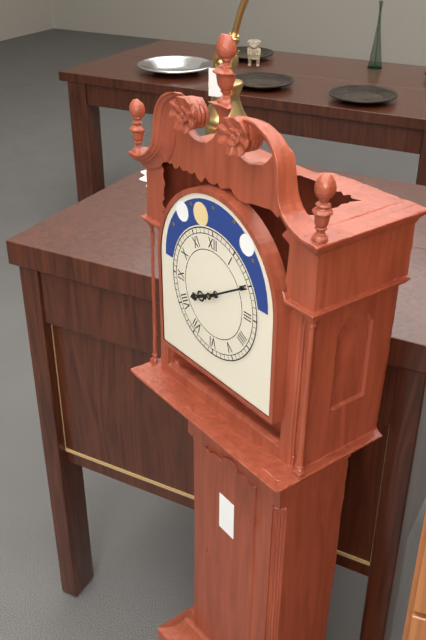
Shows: 8:10
